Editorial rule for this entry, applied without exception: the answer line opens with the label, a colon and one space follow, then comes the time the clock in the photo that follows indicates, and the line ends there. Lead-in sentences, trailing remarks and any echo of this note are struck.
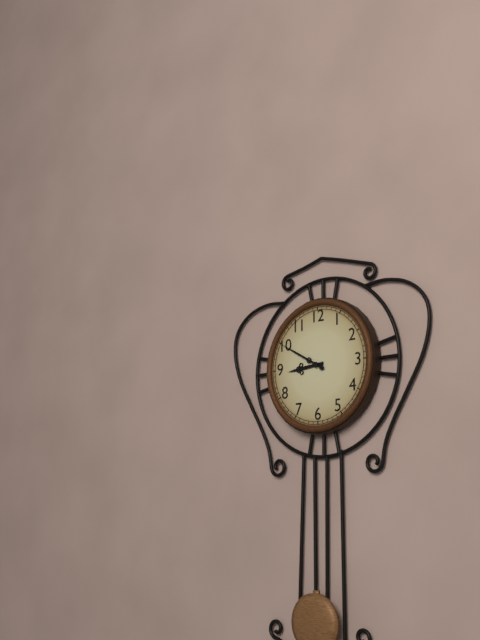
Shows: 8:50
